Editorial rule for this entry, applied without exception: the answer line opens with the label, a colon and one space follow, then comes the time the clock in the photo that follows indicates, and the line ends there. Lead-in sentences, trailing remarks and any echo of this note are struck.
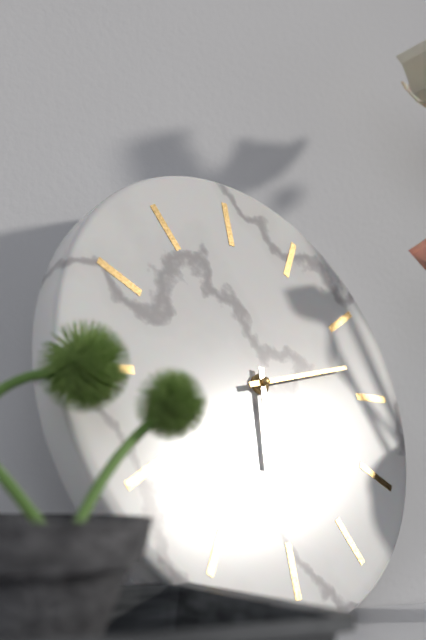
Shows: 6:13
